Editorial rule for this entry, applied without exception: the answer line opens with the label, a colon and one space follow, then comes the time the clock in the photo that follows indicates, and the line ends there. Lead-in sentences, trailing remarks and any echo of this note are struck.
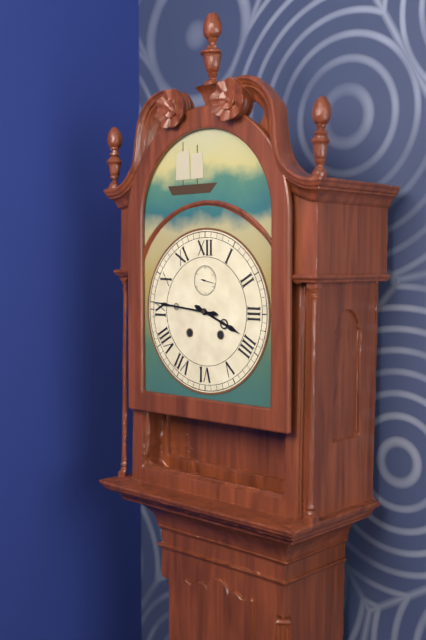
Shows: 3:46
